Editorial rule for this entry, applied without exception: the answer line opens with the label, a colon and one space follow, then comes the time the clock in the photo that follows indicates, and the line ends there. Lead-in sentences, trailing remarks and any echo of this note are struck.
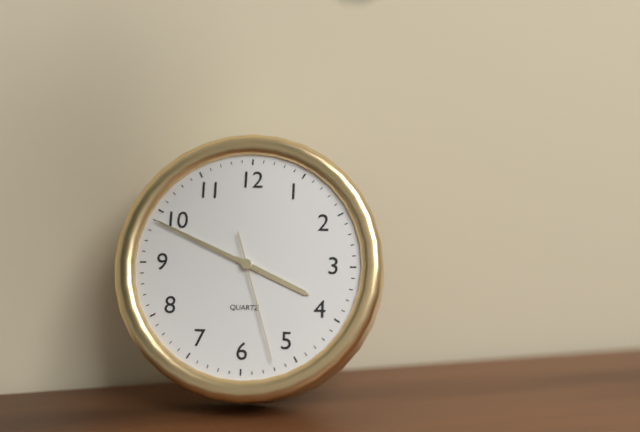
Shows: 3:49:27
